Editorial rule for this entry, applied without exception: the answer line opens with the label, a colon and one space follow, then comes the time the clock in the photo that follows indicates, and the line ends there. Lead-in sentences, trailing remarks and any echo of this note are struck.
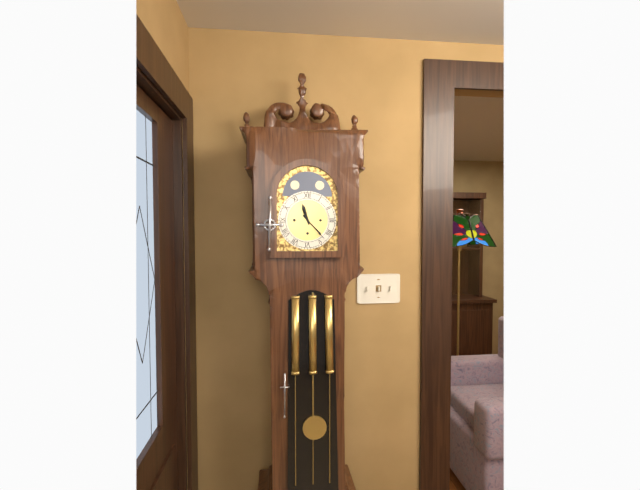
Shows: 11:23
